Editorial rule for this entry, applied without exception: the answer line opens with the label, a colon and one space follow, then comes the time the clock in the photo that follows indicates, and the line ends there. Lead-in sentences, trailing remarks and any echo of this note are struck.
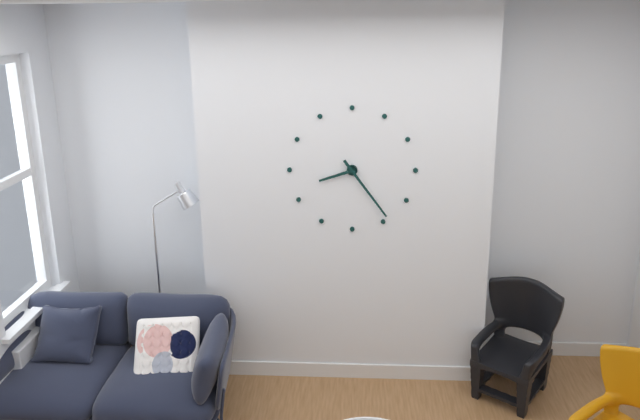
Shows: 8:24
